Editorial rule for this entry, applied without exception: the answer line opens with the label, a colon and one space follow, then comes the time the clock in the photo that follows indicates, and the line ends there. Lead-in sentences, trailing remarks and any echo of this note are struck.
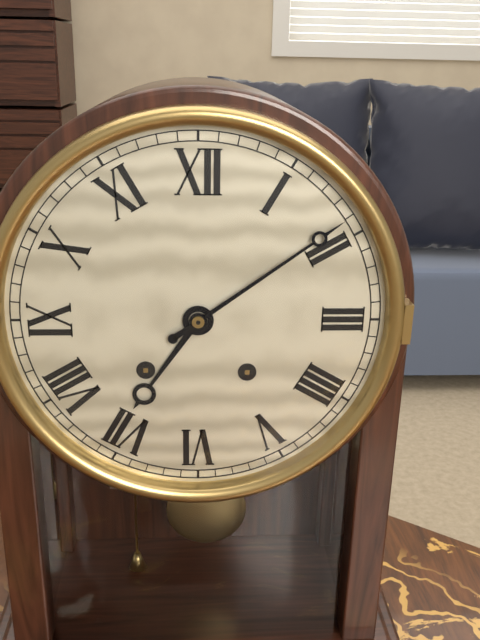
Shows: 7:09
